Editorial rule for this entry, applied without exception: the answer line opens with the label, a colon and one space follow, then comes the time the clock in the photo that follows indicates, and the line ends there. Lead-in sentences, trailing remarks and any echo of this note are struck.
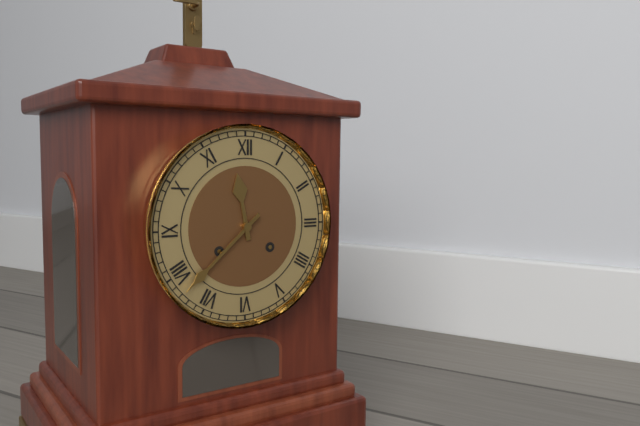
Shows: 11:38
